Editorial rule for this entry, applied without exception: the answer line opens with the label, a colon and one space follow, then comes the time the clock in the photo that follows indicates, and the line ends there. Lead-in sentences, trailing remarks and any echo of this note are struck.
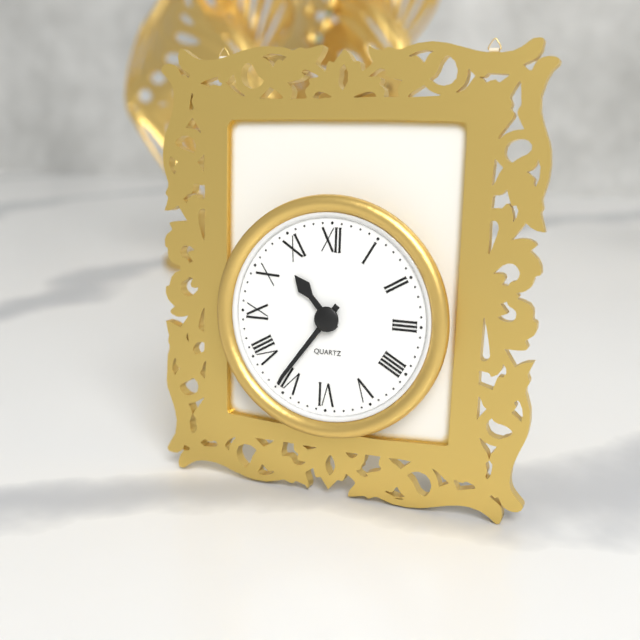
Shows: 10:36
